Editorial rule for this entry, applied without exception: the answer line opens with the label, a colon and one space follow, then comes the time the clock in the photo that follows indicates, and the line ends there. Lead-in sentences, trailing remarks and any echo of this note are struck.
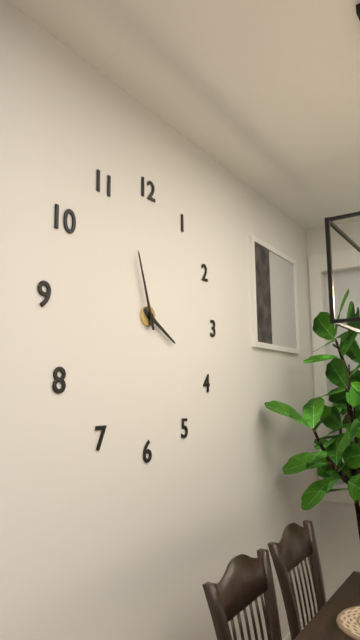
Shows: 3:57
